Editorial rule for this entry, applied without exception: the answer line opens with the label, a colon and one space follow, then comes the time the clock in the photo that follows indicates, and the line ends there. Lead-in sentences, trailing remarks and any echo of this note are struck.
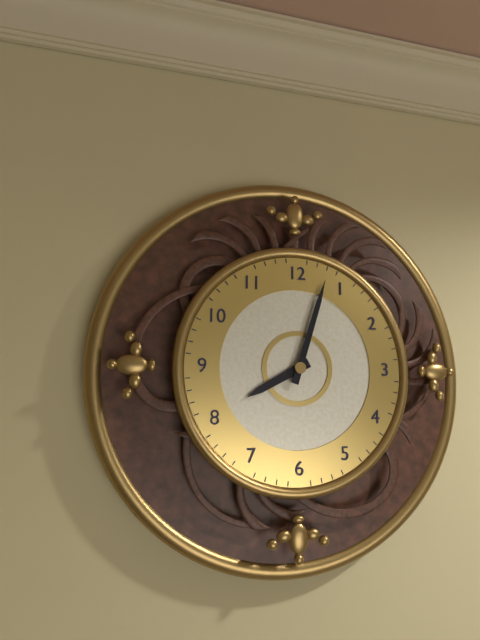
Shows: 8:03
